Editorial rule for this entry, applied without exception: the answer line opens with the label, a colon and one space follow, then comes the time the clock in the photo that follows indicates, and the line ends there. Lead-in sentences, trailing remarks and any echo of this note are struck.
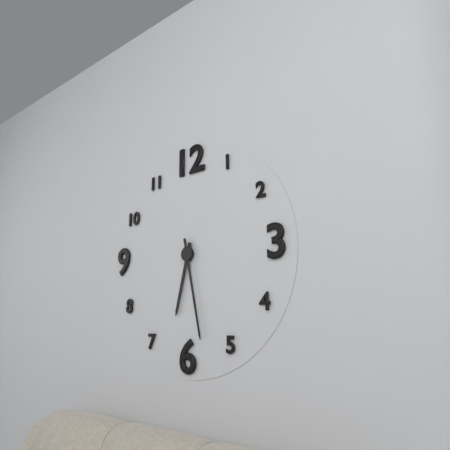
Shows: 6:28
